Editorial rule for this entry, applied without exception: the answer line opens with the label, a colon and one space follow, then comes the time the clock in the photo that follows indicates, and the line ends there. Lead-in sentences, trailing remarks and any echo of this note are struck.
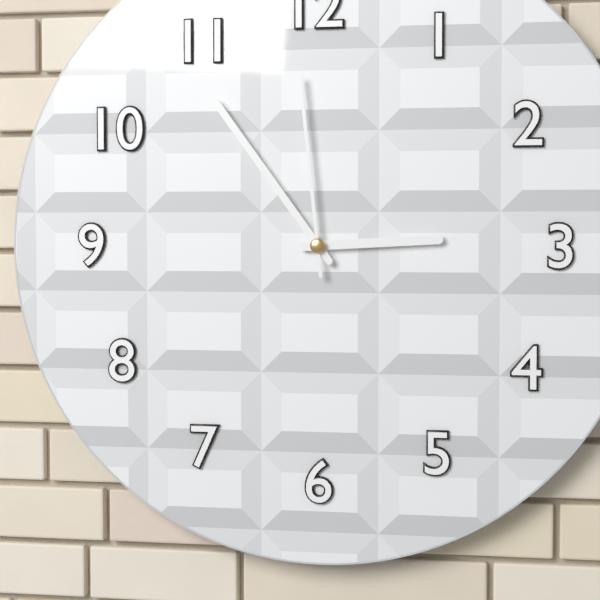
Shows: 2:54:59
